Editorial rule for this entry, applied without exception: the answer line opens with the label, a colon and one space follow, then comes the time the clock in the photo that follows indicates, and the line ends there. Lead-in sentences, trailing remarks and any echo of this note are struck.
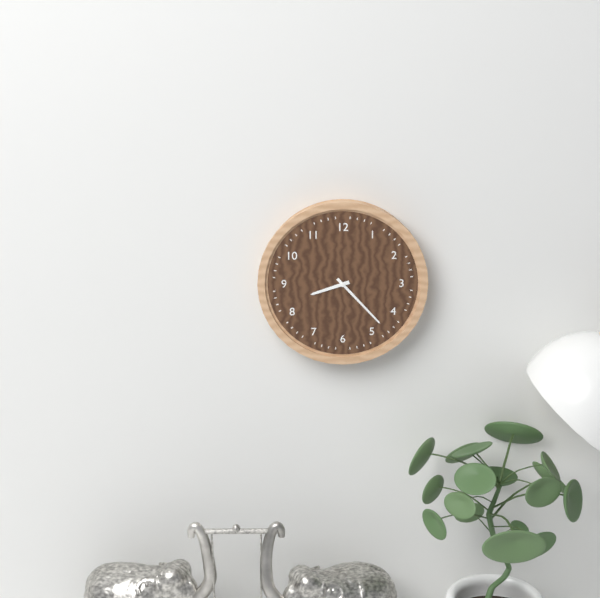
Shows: 8:23
